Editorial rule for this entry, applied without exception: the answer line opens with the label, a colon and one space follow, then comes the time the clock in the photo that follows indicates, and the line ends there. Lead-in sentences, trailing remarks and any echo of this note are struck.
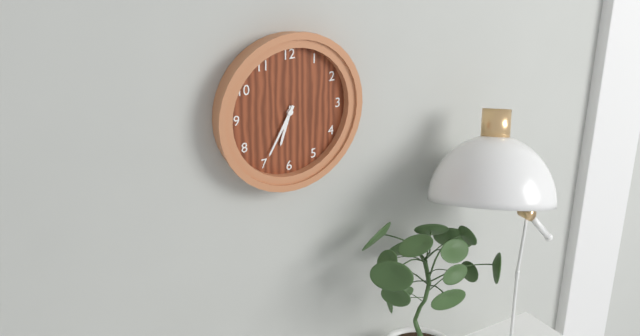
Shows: 6:35
